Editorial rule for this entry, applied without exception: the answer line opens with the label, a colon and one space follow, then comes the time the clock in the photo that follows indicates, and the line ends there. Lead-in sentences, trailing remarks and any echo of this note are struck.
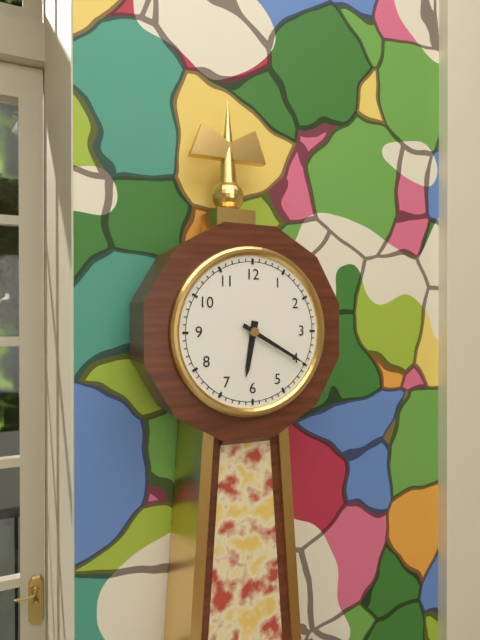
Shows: 6:20
